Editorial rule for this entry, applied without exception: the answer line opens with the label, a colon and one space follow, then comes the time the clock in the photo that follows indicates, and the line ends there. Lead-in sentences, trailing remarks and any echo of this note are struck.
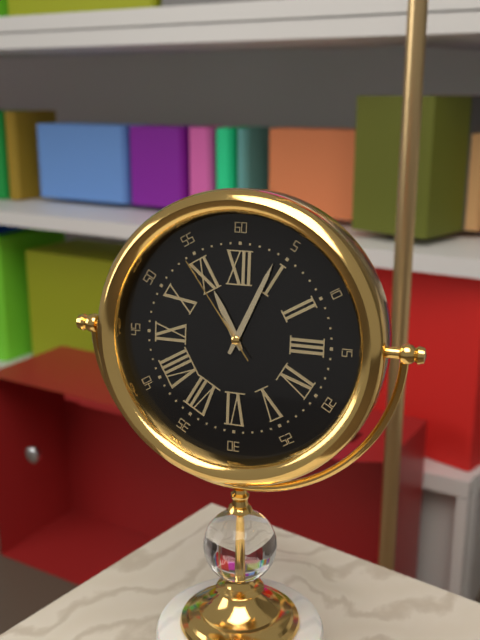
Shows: 11:04:54
